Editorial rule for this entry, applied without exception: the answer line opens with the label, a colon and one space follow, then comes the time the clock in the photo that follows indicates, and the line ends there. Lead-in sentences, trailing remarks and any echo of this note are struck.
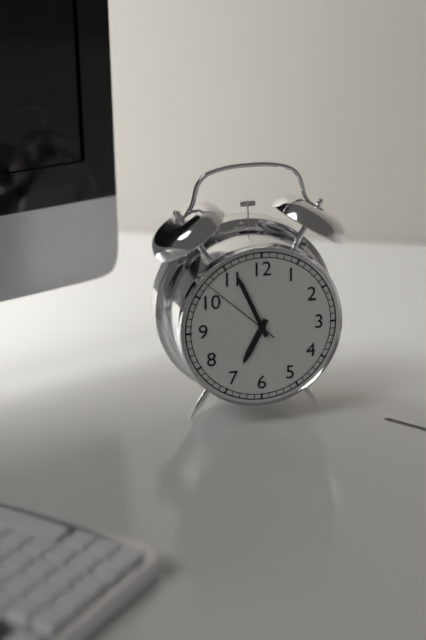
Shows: 6:56:52
